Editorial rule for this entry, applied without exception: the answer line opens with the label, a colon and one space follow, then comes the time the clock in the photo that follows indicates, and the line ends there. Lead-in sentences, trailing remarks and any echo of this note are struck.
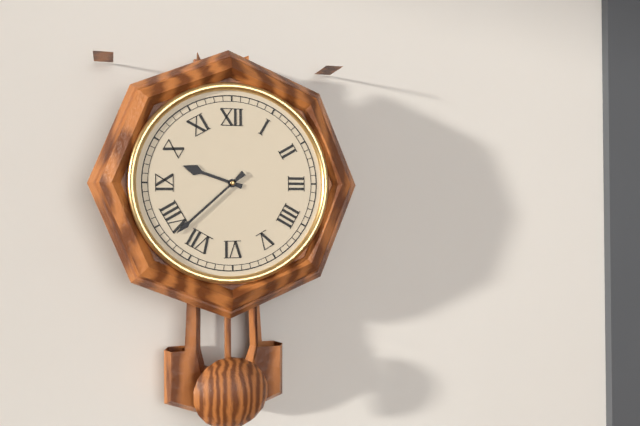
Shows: 9:38
